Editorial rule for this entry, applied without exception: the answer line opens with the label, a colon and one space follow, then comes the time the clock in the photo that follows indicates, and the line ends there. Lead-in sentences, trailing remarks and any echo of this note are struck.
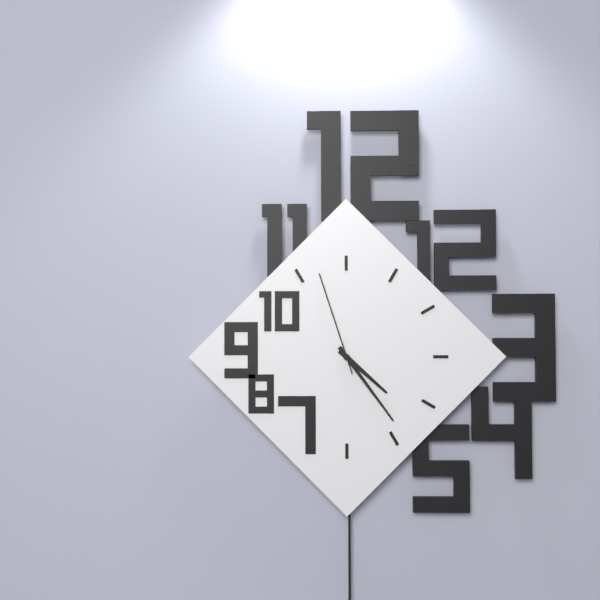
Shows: 4:24:57
